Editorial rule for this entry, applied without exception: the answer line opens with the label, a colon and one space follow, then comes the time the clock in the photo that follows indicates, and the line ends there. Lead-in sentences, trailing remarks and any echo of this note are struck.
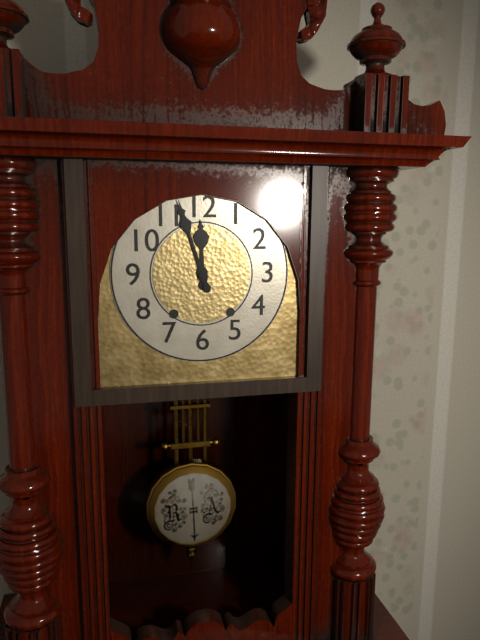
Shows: 11:57
